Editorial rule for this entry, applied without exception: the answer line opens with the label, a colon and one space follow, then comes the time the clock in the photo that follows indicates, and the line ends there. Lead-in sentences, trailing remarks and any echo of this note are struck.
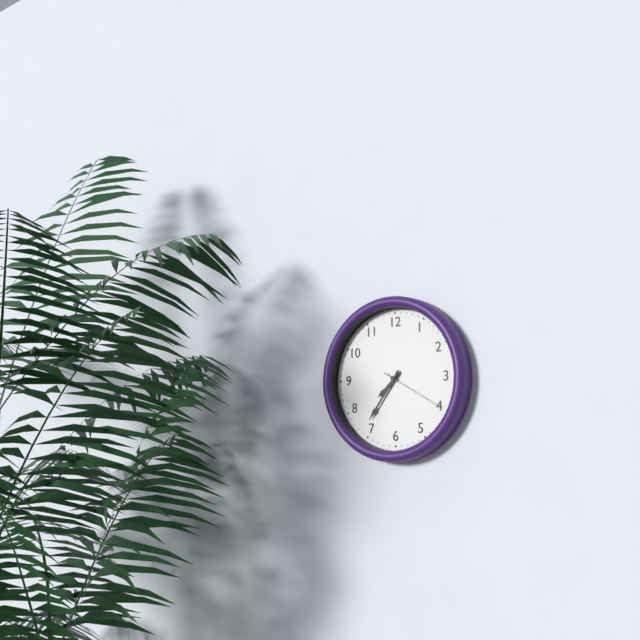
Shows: 7:36:20
